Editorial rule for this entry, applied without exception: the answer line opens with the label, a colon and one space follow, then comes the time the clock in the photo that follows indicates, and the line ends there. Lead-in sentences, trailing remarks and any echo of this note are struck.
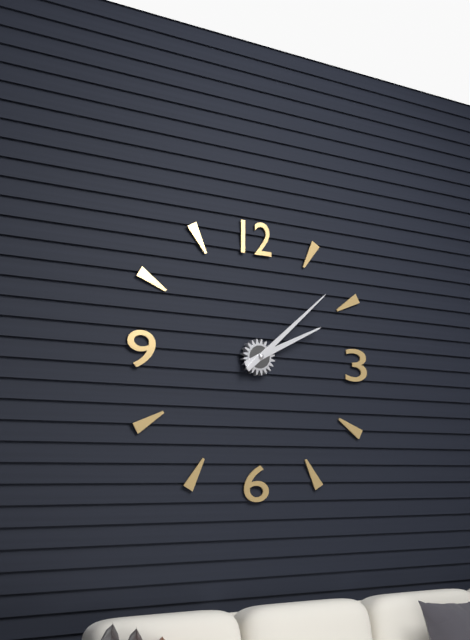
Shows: 2:08
